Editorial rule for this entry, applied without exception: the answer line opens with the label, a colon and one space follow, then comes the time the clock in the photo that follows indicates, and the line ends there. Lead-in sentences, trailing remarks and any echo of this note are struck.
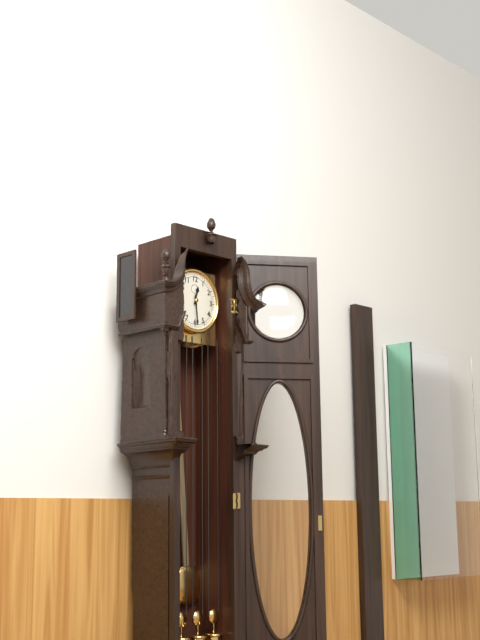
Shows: 12:29
